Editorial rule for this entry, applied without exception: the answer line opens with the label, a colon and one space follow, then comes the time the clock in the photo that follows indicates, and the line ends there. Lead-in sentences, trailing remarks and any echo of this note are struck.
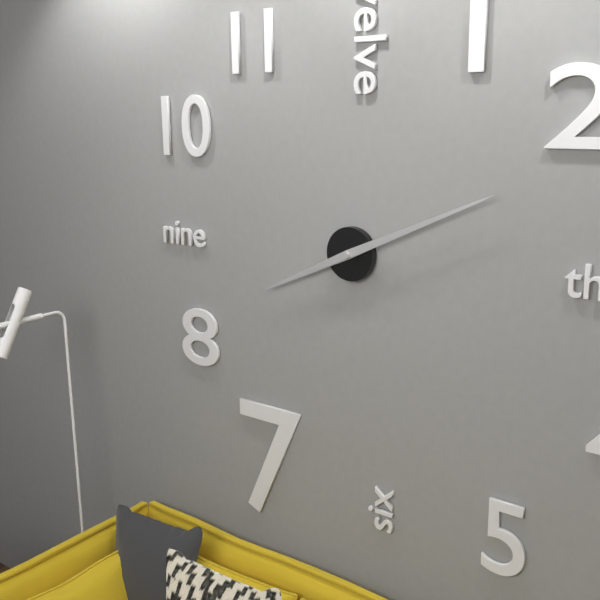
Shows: 8:11
